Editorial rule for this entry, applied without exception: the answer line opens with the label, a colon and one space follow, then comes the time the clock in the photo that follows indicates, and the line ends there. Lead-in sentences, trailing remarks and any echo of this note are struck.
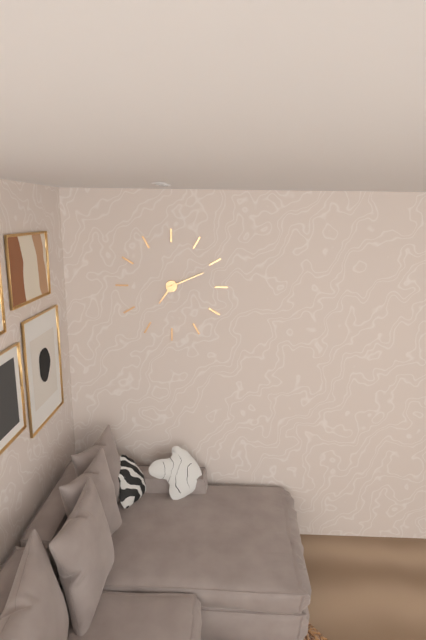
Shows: 7:11
